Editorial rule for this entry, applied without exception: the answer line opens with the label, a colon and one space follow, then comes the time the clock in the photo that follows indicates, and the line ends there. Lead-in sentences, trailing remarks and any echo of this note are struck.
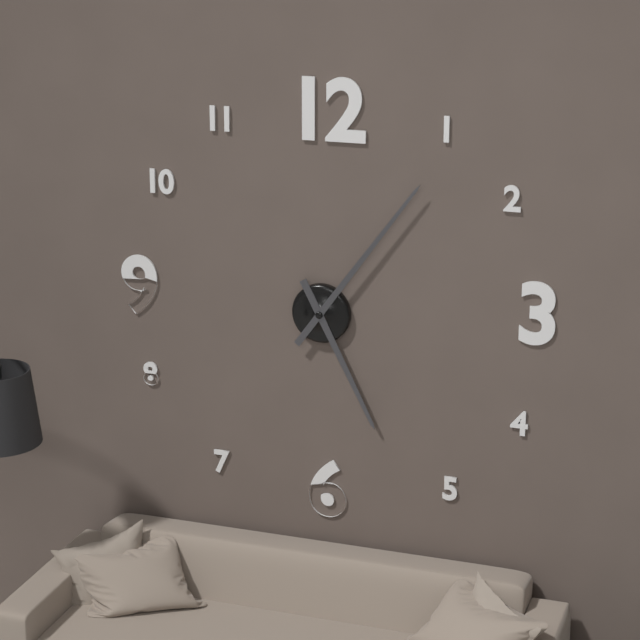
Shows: 5:06
